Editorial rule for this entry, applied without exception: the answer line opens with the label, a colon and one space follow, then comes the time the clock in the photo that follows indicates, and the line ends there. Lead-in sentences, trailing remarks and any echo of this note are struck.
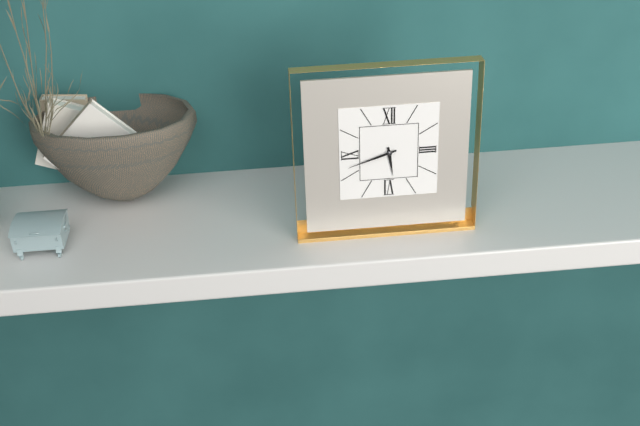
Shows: 5:42
